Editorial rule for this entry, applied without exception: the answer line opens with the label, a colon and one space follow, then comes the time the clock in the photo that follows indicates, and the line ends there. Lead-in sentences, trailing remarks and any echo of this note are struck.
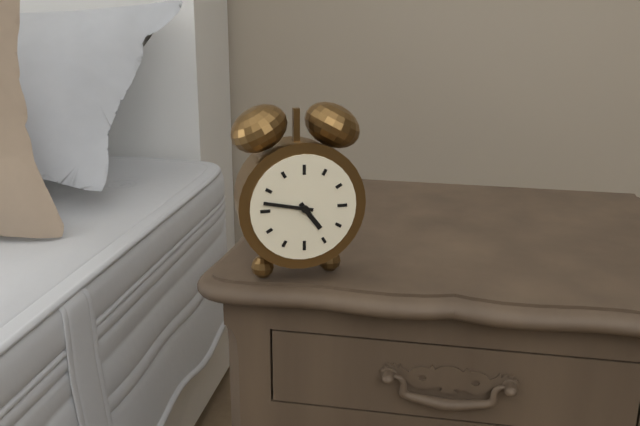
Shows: 4:47
